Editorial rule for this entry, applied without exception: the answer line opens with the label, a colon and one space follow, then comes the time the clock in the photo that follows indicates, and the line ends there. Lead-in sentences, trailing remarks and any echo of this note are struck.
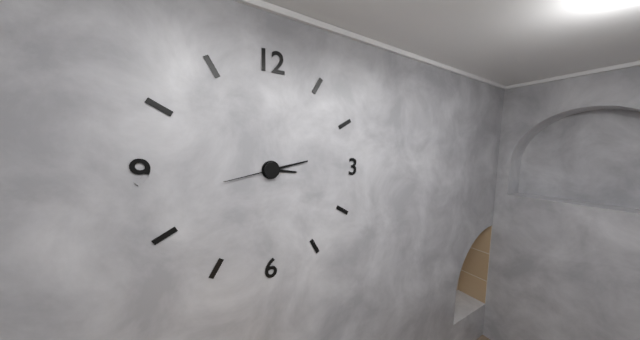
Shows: 3:13:43
